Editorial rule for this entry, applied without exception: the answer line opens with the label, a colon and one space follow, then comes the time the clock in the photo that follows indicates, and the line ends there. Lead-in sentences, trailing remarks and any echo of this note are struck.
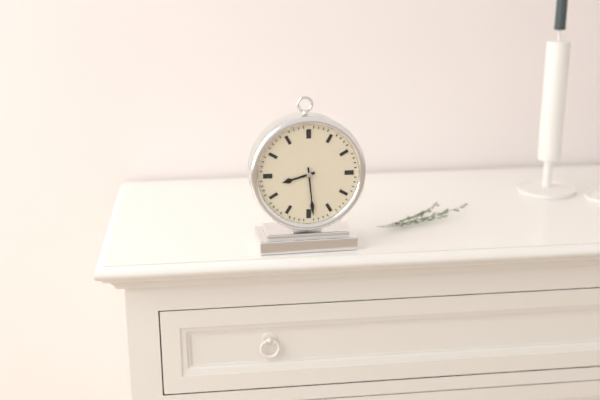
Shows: 8:29
